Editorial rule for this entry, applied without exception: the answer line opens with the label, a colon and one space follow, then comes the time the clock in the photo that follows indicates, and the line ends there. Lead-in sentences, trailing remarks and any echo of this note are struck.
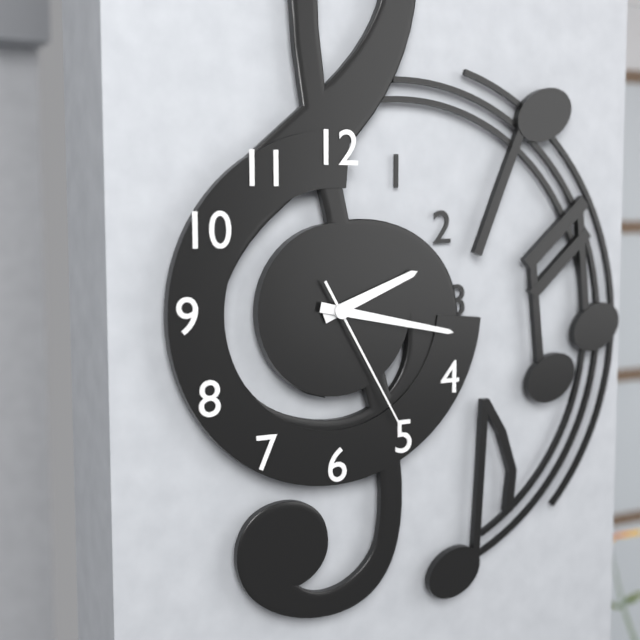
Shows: 2:17:25
